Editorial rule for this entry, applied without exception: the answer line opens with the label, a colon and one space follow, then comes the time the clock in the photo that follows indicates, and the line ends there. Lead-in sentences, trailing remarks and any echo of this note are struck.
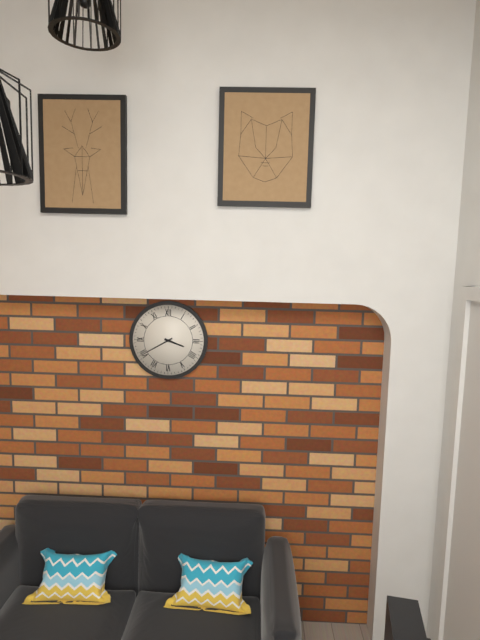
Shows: 3:40
